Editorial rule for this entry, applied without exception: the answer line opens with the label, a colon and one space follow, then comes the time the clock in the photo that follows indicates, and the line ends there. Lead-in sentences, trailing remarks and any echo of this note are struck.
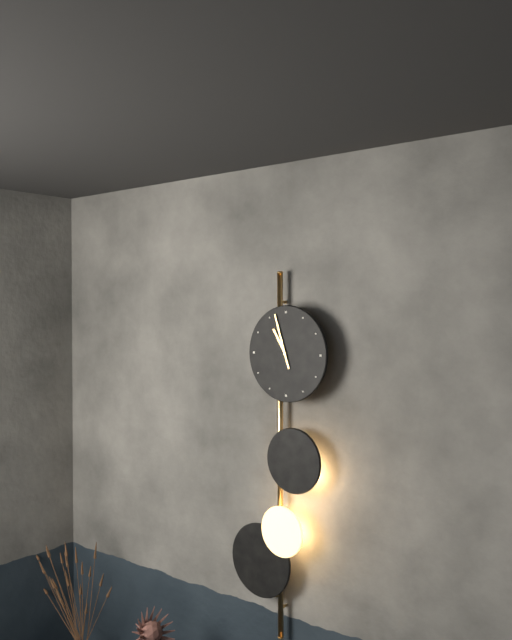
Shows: 10:57
